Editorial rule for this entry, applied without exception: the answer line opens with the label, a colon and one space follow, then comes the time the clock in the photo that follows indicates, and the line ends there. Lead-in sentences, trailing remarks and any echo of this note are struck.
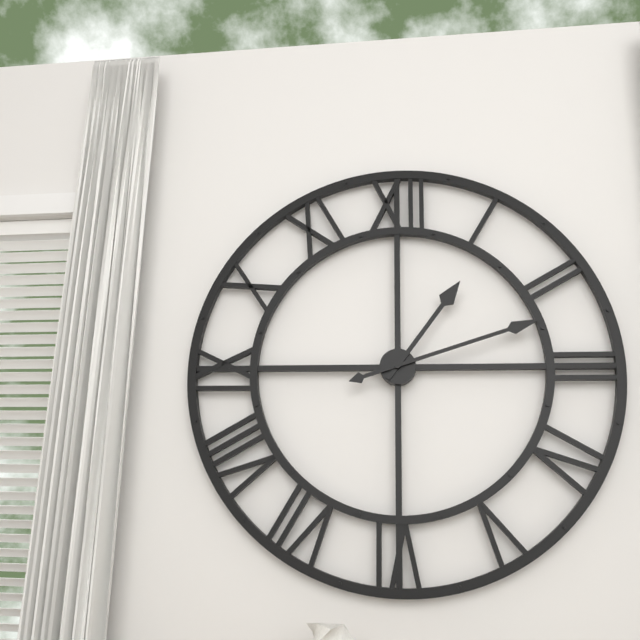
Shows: 1:12
